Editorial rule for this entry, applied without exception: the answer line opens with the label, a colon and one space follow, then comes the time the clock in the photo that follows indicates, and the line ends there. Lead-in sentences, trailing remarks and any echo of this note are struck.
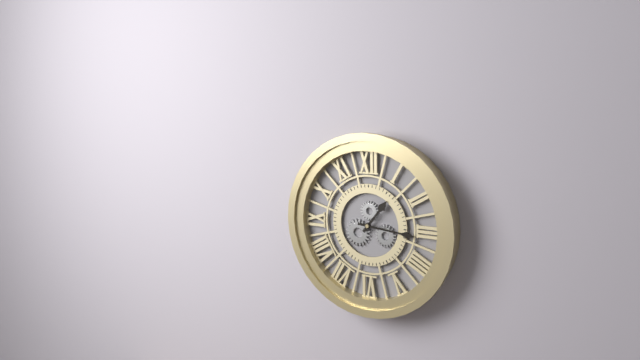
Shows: 1:16
